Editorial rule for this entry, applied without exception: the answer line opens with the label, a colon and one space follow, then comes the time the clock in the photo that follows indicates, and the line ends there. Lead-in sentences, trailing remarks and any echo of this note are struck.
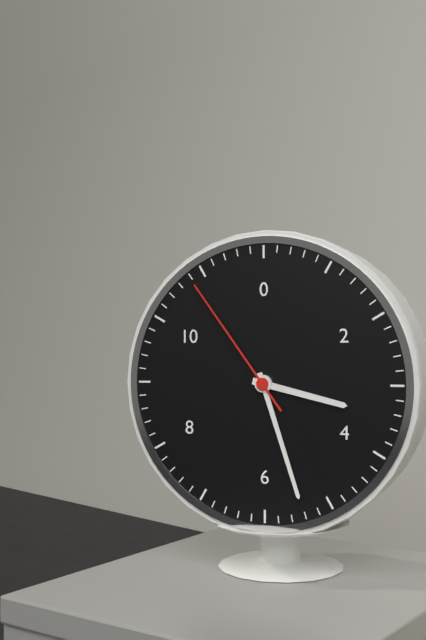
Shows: 3:27:54
